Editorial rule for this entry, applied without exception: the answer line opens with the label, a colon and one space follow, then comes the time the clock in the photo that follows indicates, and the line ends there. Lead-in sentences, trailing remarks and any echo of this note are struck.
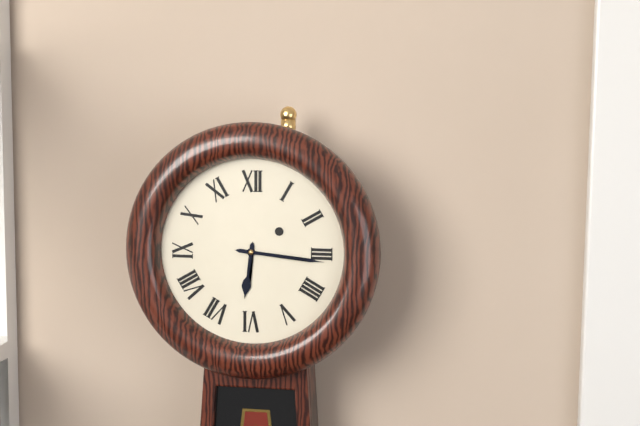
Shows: 6:16
